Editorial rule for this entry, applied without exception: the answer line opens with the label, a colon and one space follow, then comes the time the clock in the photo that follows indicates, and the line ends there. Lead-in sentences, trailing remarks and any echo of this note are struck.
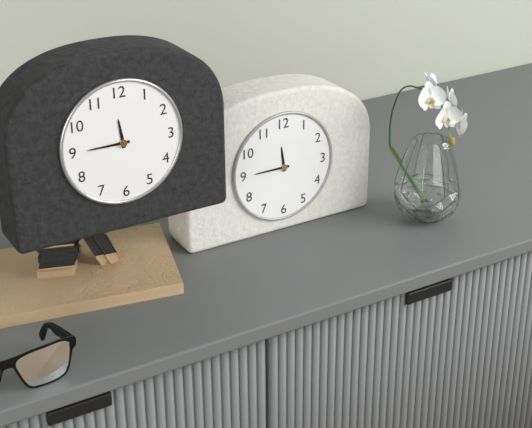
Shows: 11:45
